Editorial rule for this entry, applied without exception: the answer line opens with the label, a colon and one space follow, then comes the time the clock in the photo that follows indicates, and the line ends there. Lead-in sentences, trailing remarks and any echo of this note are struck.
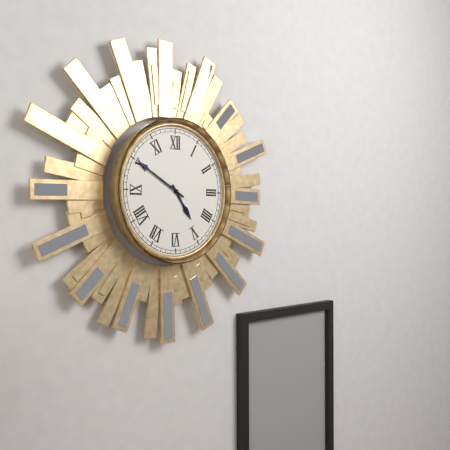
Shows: 4:50
